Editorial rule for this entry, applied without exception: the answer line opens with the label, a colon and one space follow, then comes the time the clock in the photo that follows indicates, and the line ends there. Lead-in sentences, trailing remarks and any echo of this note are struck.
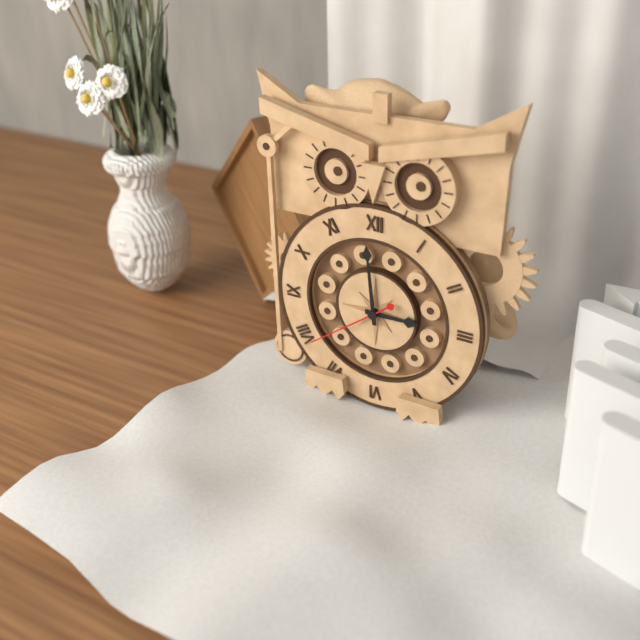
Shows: 2:59:39
